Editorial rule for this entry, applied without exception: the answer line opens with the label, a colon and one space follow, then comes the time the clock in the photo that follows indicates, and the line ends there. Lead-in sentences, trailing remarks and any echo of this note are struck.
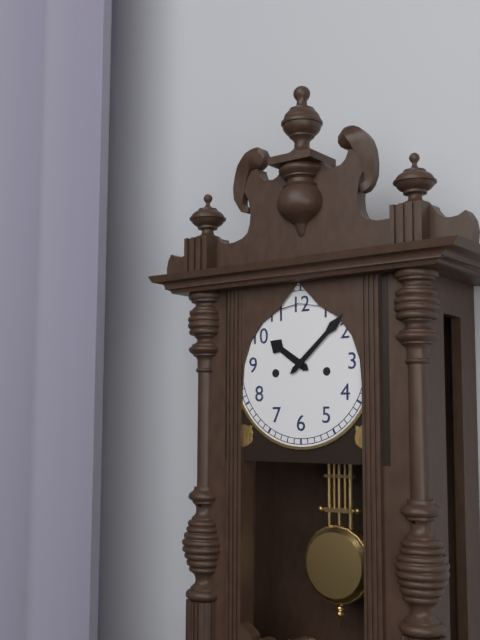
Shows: 10:08
